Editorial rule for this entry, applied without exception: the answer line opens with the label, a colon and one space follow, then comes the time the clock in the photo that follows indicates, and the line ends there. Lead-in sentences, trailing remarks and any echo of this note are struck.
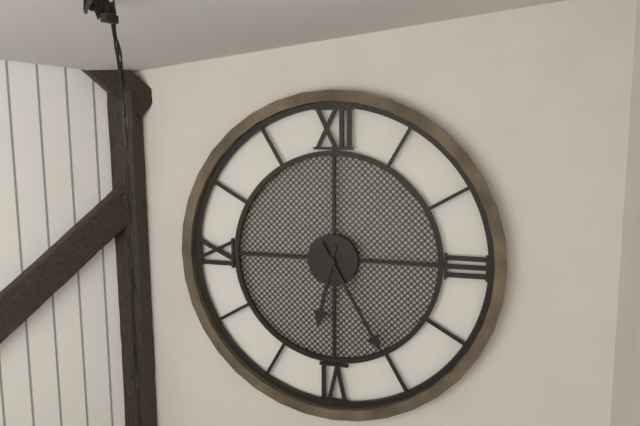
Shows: 6:25
